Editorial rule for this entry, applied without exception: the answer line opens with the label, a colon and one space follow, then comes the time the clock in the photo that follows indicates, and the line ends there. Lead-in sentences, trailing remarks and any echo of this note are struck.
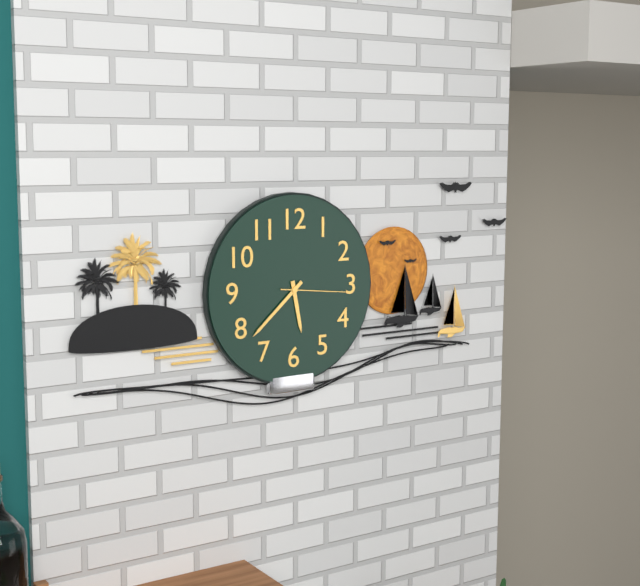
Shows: 5:38:16
